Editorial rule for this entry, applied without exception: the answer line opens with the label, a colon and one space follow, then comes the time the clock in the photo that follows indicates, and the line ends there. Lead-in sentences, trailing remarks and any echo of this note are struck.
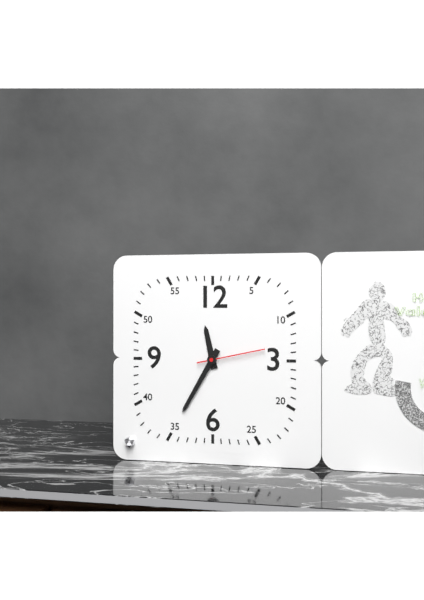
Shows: 11:35:13
